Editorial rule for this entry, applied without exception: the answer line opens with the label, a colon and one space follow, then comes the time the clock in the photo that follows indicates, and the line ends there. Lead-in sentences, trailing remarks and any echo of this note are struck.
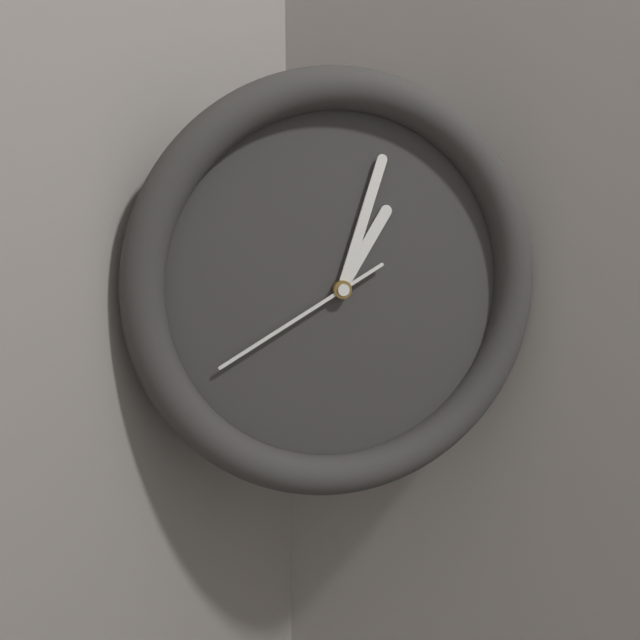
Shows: 1:03:40
